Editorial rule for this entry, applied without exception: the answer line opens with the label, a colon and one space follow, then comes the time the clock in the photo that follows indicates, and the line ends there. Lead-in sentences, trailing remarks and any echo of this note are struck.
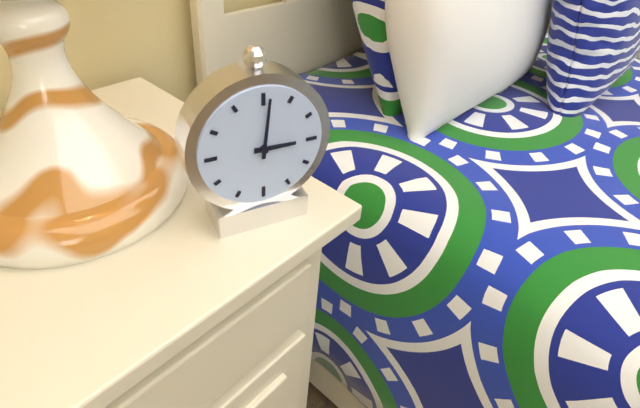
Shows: 3:01
